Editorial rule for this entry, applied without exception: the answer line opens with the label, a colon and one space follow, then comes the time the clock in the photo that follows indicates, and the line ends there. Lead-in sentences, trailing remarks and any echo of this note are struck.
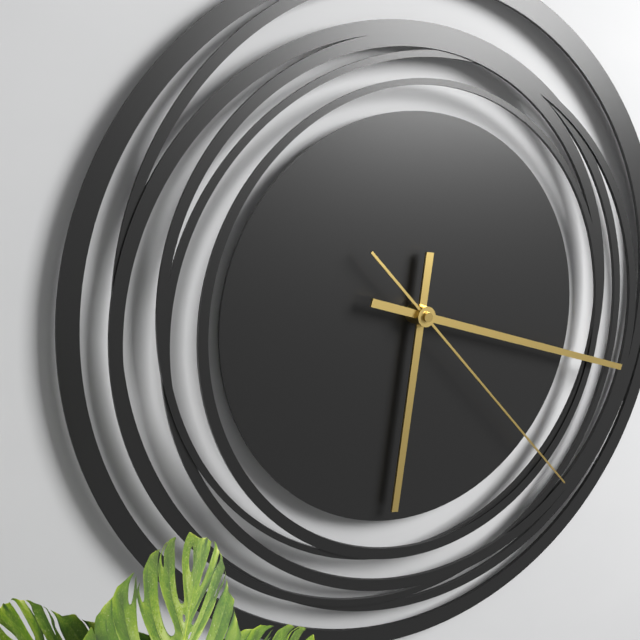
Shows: 6:18:23
